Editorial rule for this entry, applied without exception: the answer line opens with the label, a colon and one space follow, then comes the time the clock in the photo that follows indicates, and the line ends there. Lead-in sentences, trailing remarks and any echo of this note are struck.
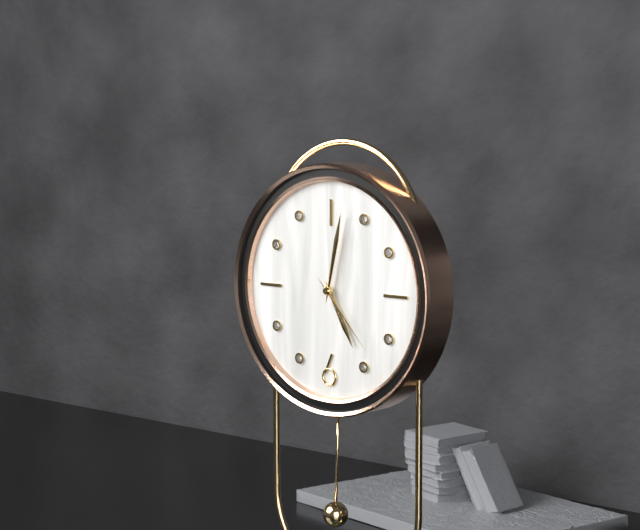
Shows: 5:02:23
